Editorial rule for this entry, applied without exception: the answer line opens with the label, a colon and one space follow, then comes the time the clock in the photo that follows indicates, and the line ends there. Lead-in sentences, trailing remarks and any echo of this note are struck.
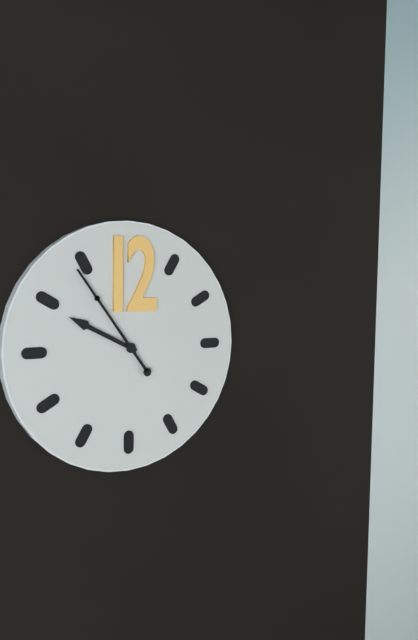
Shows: 9:54
